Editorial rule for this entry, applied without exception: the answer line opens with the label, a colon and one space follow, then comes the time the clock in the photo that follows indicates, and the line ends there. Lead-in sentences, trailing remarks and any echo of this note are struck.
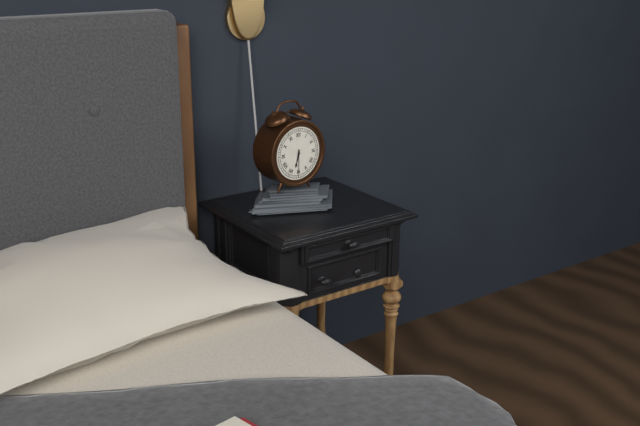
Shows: 6:30
